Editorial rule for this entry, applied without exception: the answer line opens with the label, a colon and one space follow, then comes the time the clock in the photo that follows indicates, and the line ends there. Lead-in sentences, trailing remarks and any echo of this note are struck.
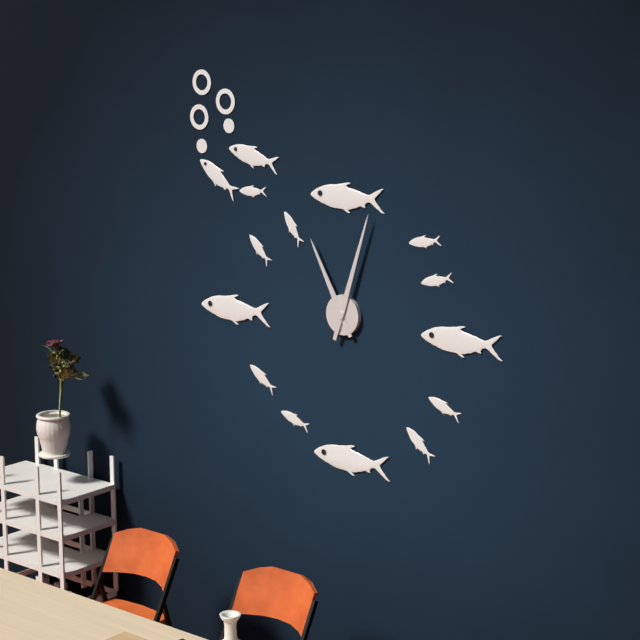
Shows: 11:03
